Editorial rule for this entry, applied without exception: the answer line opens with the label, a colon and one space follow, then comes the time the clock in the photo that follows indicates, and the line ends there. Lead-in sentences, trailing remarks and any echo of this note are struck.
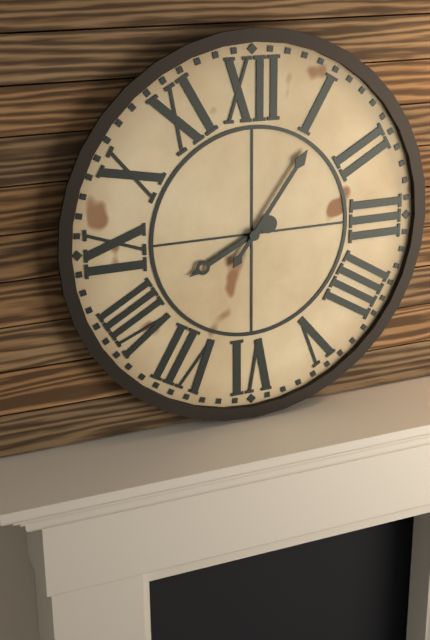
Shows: 8:06
